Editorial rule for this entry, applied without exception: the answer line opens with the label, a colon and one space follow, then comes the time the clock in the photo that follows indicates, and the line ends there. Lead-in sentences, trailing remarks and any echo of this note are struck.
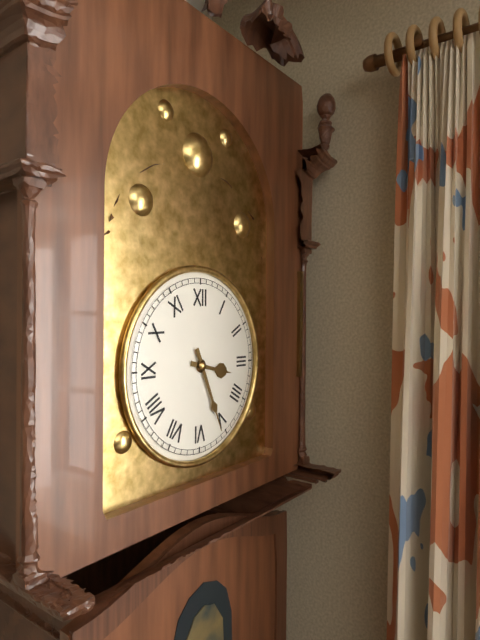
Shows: 3:26
